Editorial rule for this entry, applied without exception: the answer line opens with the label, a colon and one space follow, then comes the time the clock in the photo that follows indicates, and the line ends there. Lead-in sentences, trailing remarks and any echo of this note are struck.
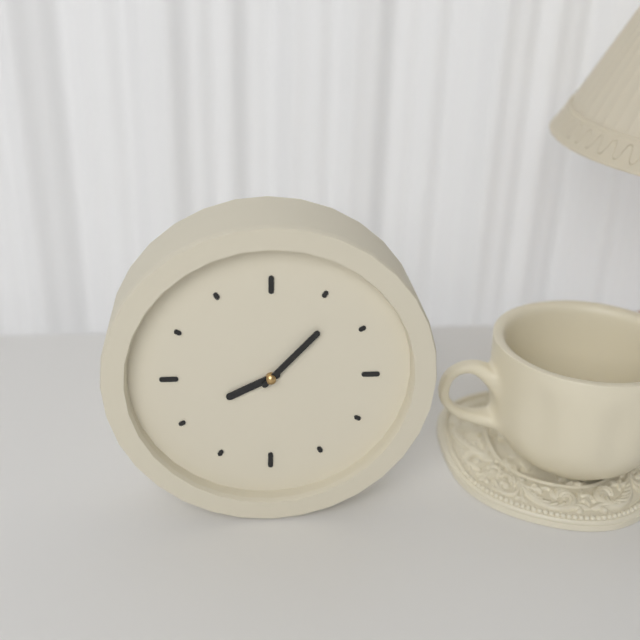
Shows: 8:07
